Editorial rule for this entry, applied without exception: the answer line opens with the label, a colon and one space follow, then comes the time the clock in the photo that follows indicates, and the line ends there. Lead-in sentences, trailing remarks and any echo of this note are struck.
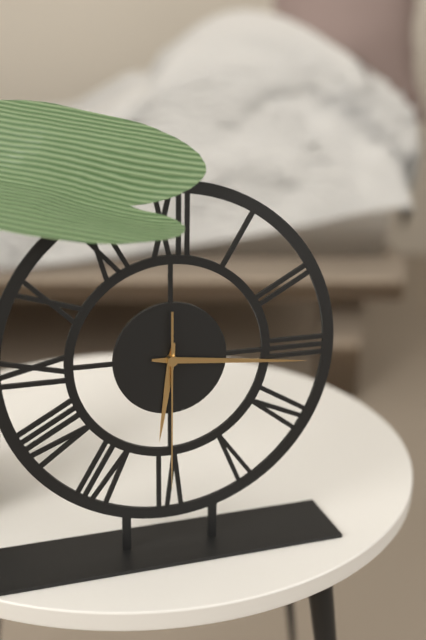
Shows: 6:16:30
